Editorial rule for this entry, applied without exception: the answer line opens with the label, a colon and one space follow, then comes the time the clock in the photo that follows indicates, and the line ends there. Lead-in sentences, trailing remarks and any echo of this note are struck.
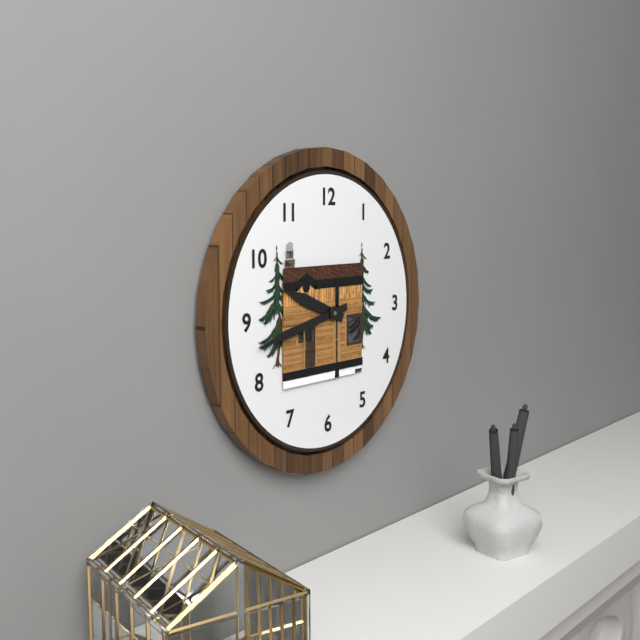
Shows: 9:43
